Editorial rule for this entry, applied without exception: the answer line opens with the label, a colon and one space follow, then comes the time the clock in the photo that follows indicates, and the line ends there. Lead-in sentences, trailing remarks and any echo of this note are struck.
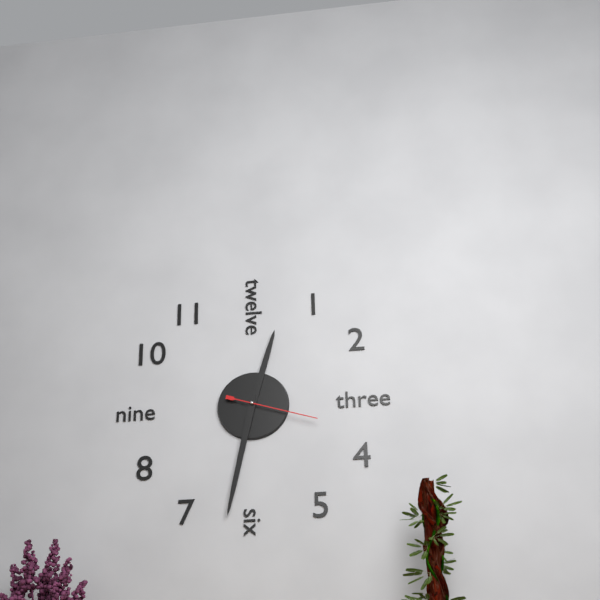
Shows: 12:32:18
